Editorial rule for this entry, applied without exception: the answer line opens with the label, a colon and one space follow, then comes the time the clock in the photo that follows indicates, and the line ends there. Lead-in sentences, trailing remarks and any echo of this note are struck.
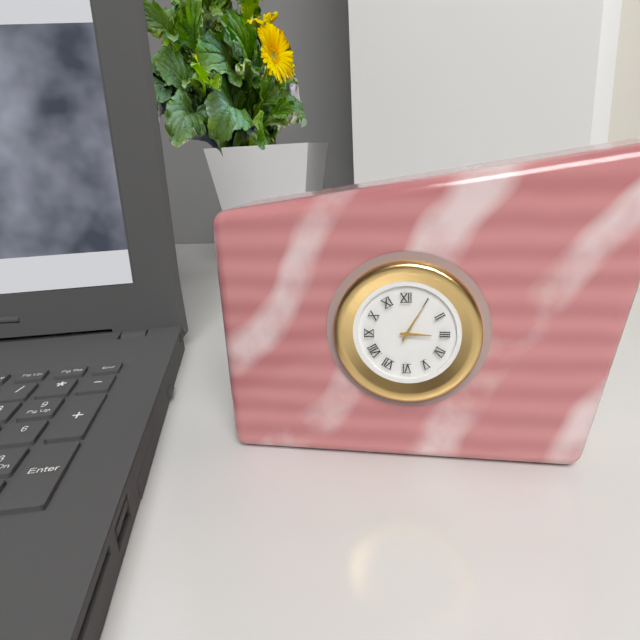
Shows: 3:05
